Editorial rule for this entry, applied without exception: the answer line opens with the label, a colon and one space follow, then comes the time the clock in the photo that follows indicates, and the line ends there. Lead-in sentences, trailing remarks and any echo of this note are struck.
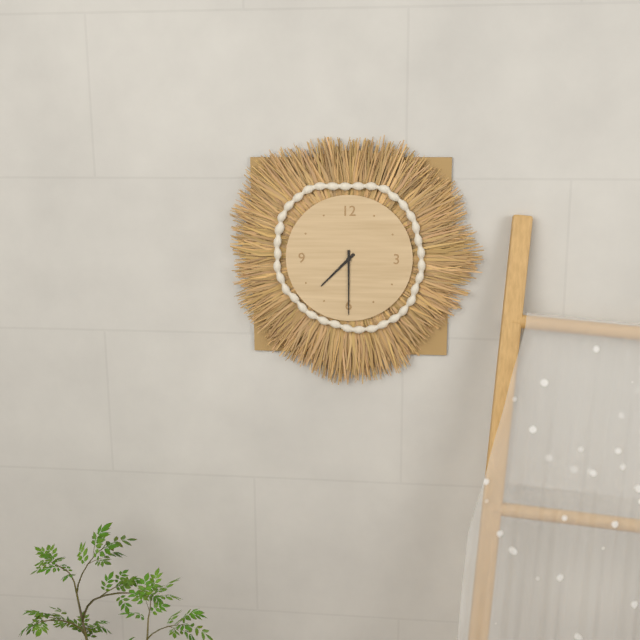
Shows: 7:30
